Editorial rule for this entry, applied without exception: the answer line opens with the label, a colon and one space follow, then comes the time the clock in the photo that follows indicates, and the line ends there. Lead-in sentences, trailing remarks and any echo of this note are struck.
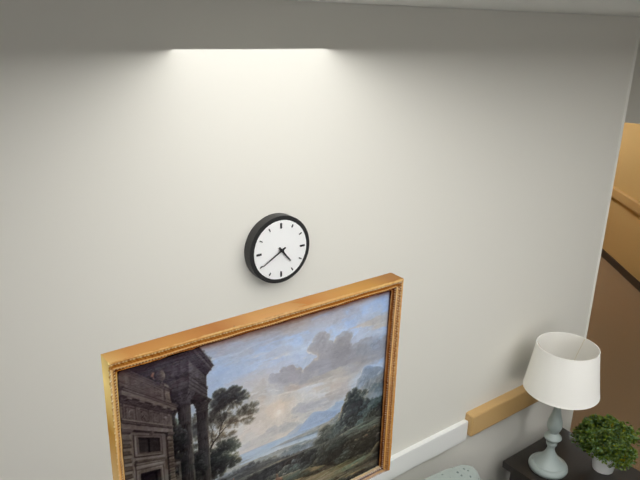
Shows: 4:40
